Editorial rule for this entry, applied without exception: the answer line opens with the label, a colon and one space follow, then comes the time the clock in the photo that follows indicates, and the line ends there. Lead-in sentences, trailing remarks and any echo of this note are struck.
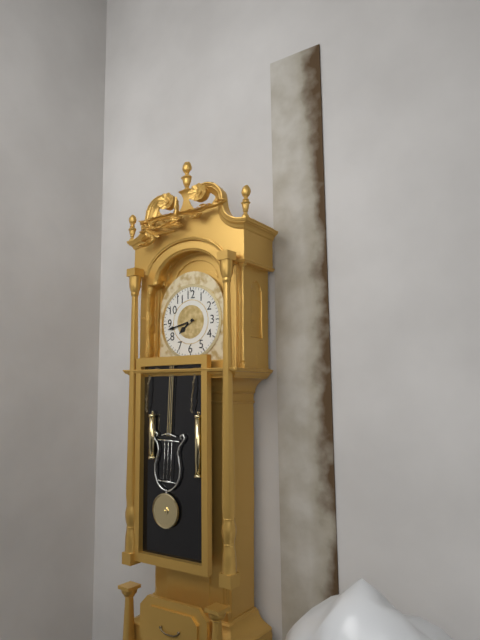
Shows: 7:43
